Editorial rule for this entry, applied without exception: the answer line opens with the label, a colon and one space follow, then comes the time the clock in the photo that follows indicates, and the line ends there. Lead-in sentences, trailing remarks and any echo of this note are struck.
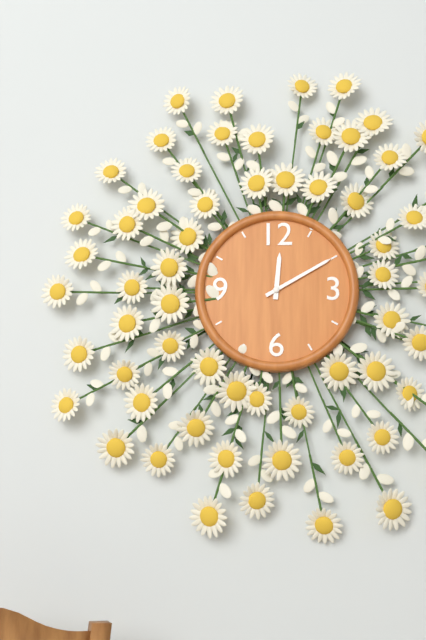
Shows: 12:10
